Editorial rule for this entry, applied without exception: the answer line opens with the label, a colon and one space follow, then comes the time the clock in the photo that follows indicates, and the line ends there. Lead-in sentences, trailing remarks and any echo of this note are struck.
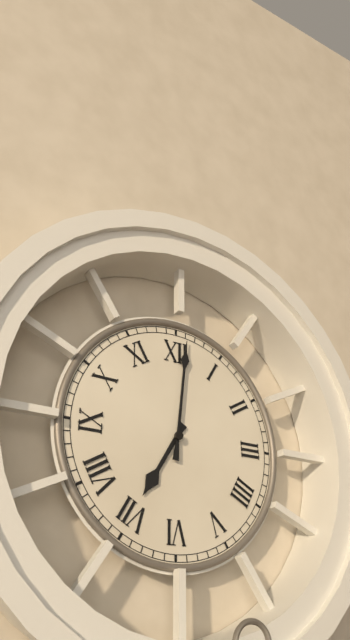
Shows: 7:01
